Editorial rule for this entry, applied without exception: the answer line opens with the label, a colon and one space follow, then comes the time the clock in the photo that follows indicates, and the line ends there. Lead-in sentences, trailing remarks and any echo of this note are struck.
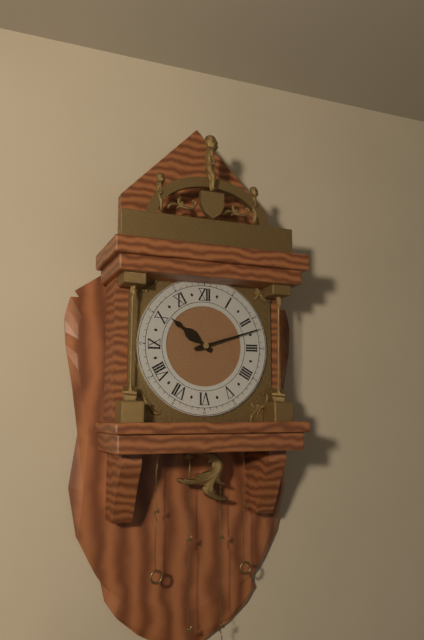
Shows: 10:12
